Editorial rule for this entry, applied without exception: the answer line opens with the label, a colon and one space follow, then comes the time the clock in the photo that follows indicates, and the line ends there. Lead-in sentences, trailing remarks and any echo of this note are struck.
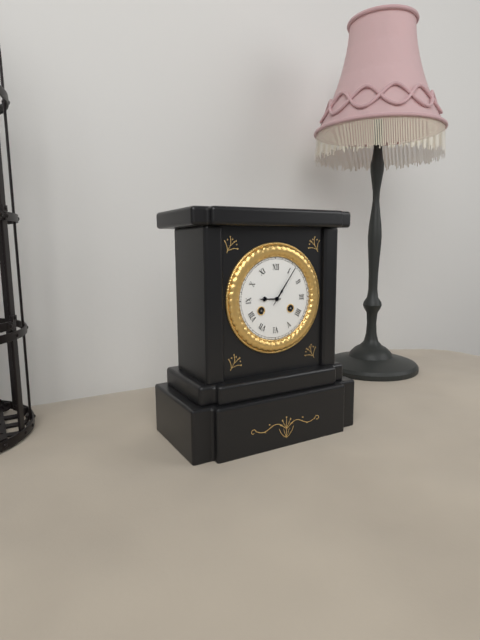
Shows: 9:06
